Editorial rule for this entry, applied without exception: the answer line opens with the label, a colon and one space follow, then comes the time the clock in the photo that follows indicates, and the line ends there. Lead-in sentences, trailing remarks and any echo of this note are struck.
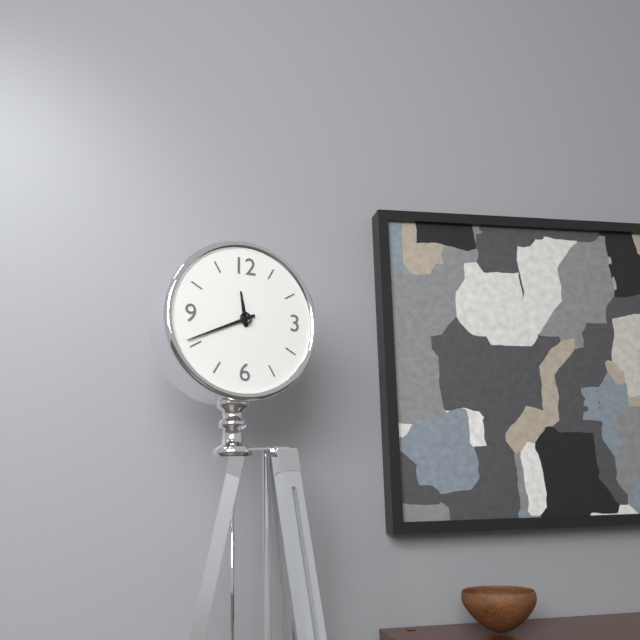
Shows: 11:41
